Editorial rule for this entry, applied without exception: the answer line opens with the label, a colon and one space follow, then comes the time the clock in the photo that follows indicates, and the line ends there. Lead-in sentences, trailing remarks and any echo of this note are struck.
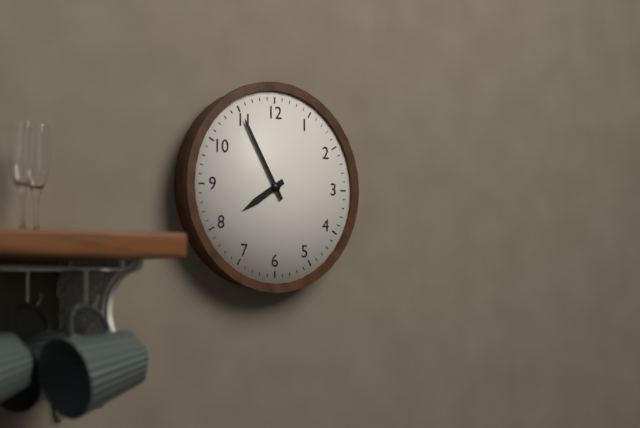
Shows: 7:55
